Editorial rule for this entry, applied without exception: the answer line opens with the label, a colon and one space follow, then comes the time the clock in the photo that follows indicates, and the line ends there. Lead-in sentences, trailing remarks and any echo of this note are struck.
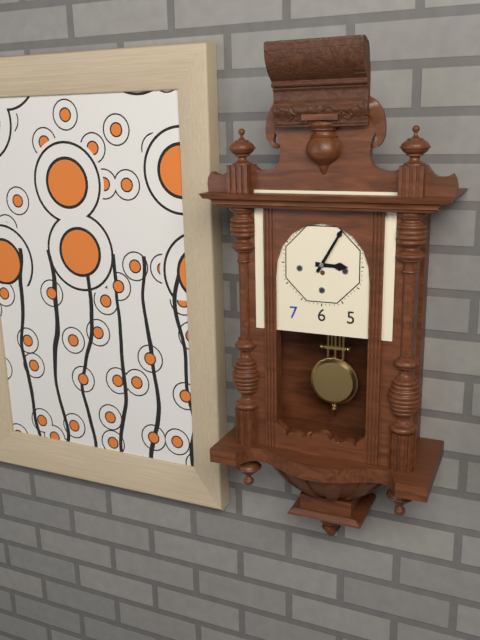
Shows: 3:05
